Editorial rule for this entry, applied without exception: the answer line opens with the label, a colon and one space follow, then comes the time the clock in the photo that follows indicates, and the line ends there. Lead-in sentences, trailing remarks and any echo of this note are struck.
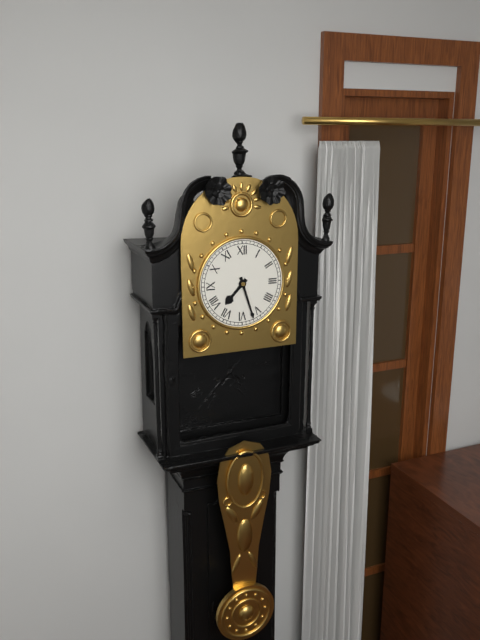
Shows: 7:27
